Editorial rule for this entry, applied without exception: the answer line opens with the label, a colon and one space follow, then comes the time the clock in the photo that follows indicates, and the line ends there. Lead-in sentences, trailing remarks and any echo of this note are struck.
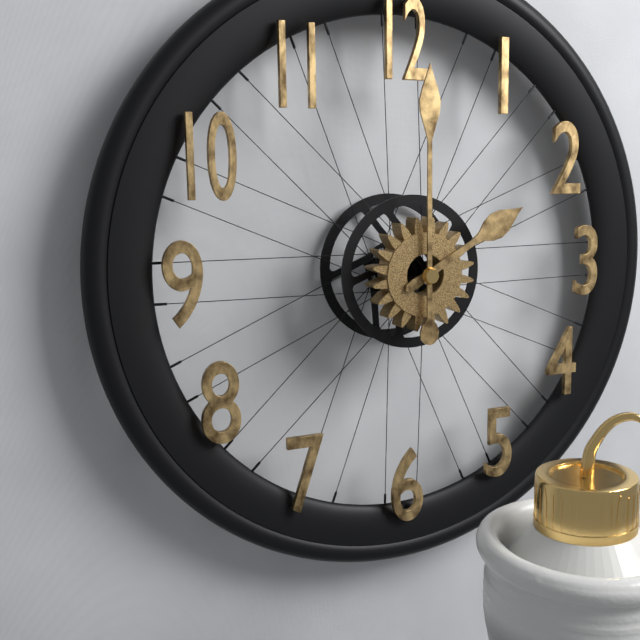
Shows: 2:00
